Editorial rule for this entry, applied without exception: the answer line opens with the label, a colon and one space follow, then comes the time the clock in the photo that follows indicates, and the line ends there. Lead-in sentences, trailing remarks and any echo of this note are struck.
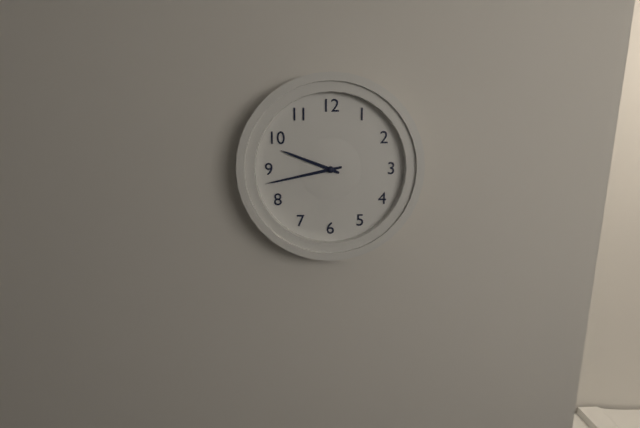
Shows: 9:43
